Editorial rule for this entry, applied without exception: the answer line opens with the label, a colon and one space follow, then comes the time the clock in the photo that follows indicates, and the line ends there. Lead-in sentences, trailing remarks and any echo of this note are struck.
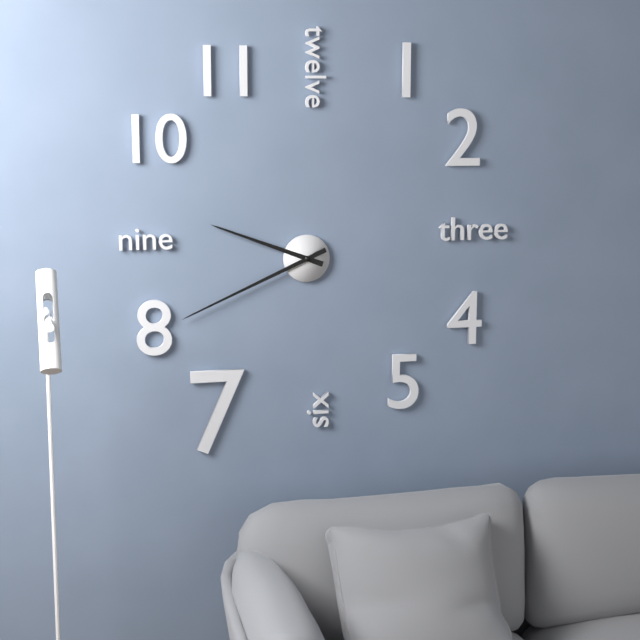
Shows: 9:41
